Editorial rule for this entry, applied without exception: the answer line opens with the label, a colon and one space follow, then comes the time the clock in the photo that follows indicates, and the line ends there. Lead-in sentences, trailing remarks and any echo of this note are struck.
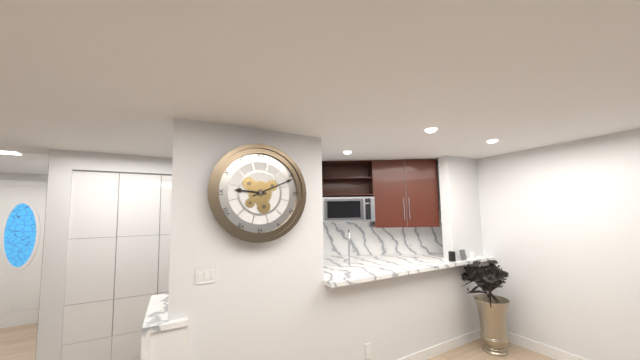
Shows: 9:11
